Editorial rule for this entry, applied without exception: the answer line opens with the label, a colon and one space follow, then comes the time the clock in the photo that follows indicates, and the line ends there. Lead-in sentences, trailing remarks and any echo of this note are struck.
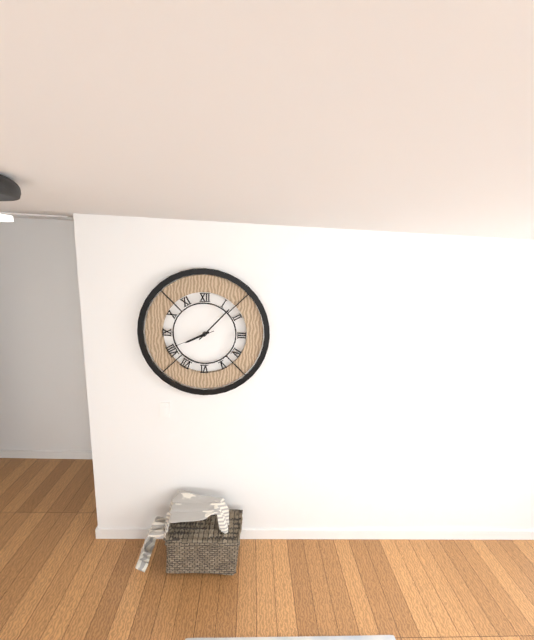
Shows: 8:07
